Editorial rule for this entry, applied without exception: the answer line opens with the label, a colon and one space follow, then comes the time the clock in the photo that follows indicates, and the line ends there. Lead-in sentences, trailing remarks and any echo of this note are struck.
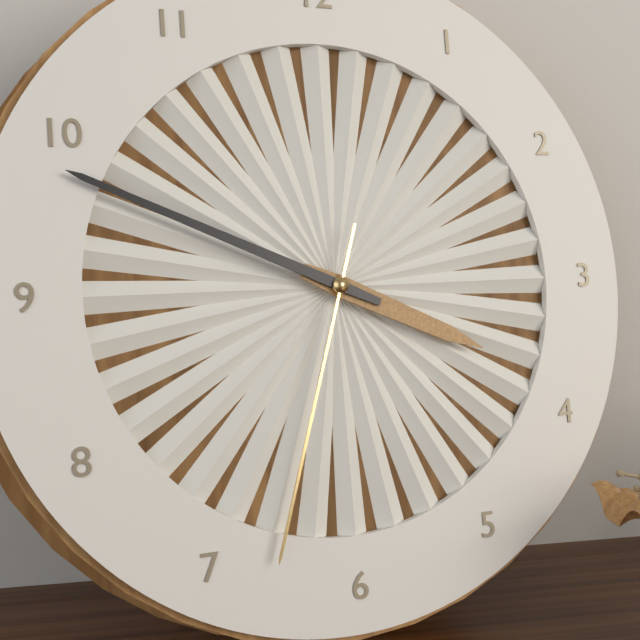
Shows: 3:49:33
